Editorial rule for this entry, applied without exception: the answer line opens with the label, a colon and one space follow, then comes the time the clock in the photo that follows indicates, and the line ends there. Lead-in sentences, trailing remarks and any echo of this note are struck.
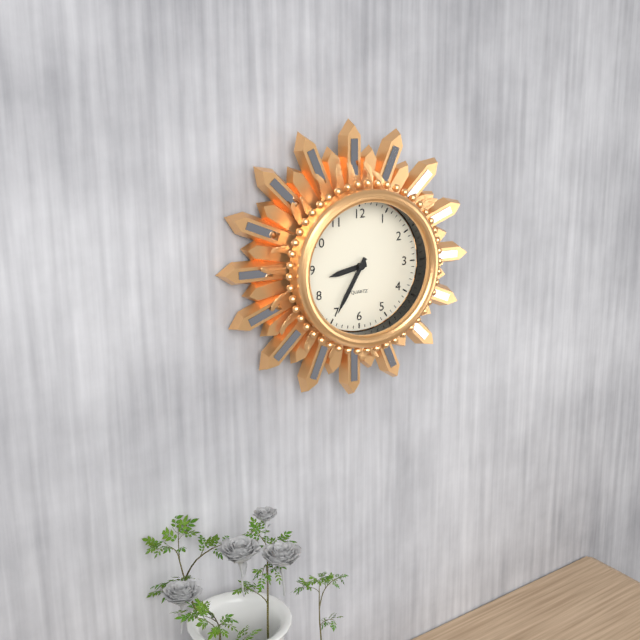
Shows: 8:35
